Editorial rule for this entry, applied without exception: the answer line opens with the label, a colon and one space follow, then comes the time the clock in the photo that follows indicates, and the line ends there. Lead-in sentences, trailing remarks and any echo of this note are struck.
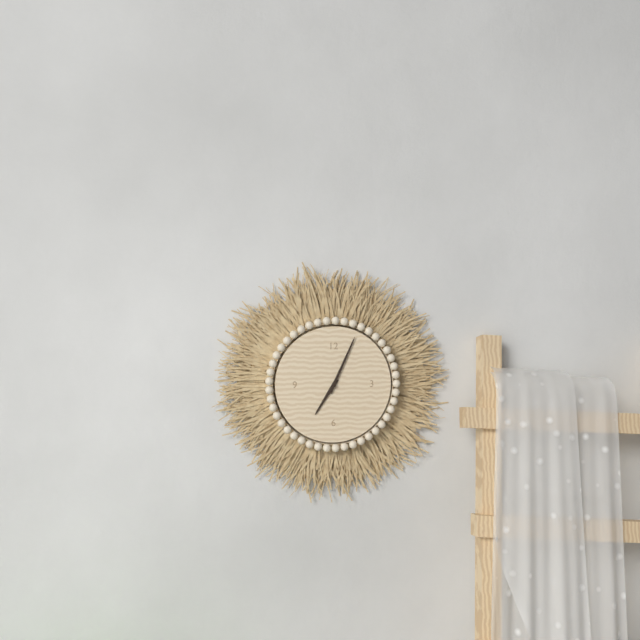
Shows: 7:04
